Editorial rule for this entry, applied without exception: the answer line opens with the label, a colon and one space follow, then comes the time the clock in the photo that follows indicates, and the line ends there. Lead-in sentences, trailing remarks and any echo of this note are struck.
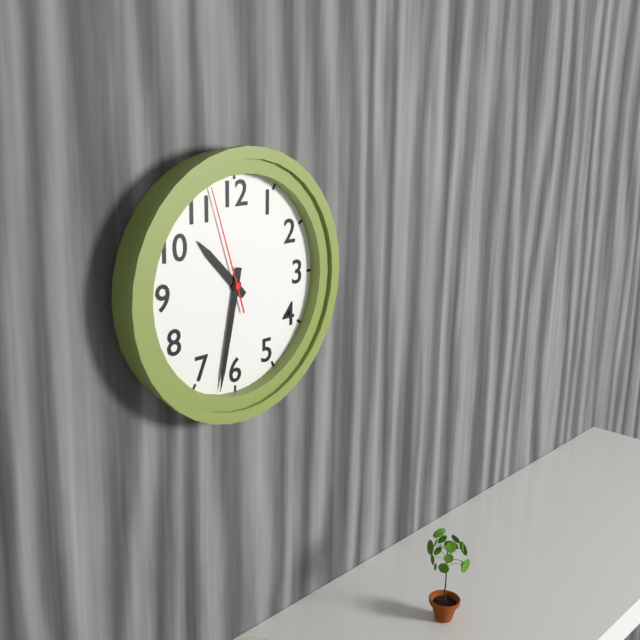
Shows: 10:32:57
